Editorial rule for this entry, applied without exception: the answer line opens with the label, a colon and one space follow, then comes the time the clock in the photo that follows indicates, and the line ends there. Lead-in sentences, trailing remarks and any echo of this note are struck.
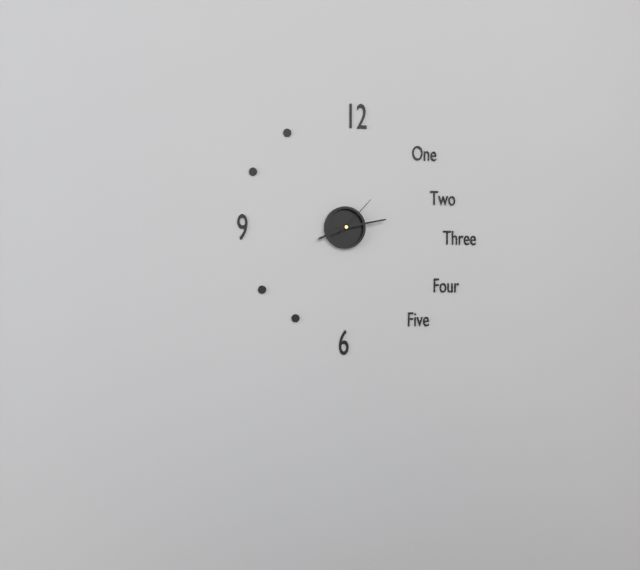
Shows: 8:13
